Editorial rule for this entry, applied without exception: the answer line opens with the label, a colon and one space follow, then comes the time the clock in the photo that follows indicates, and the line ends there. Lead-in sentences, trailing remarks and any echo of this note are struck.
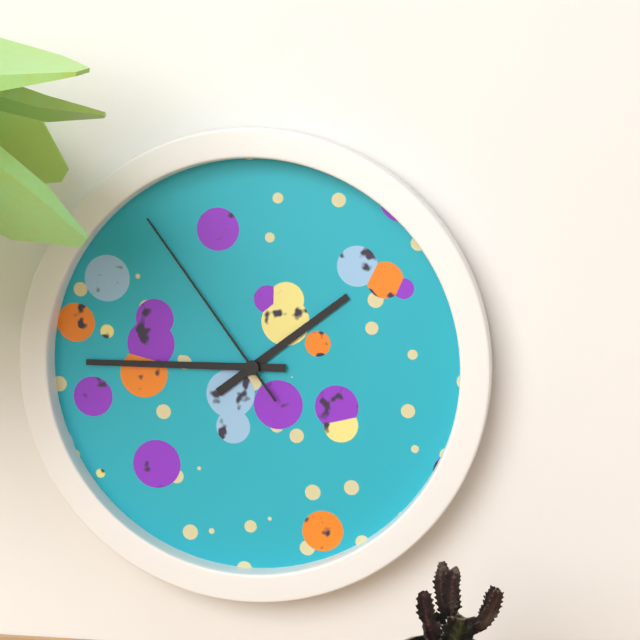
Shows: 1:45:54
